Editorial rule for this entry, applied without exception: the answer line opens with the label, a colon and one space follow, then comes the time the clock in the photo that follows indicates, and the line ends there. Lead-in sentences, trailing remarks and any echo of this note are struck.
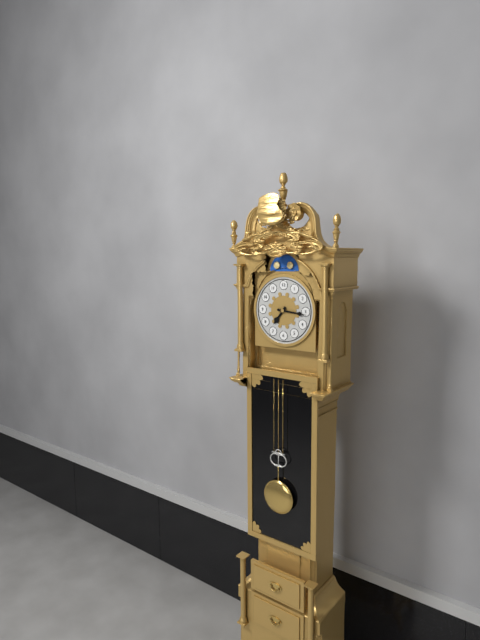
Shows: 7:16
